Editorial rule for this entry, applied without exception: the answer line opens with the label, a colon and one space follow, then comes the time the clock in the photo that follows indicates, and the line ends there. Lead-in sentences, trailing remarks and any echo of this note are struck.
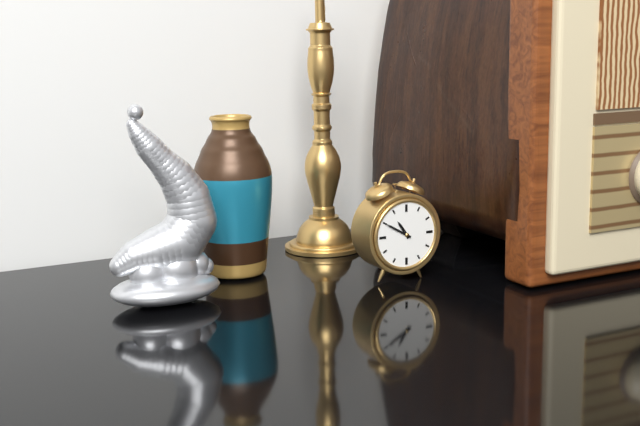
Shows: 10:50
